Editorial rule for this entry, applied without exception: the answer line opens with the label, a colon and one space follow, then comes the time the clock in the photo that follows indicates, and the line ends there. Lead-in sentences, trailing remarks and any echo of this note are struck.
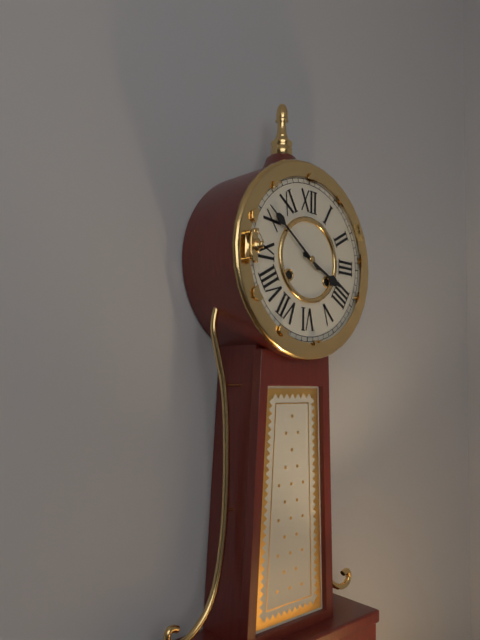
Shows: 3:51
